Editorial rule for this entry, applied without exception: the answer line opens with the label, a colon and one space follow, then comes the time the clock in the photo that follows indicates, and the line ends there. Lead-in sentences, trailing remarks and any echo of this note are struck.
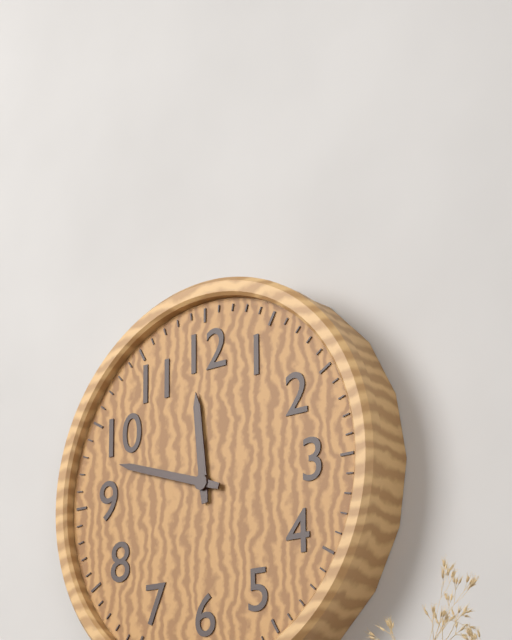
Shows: 11:48
